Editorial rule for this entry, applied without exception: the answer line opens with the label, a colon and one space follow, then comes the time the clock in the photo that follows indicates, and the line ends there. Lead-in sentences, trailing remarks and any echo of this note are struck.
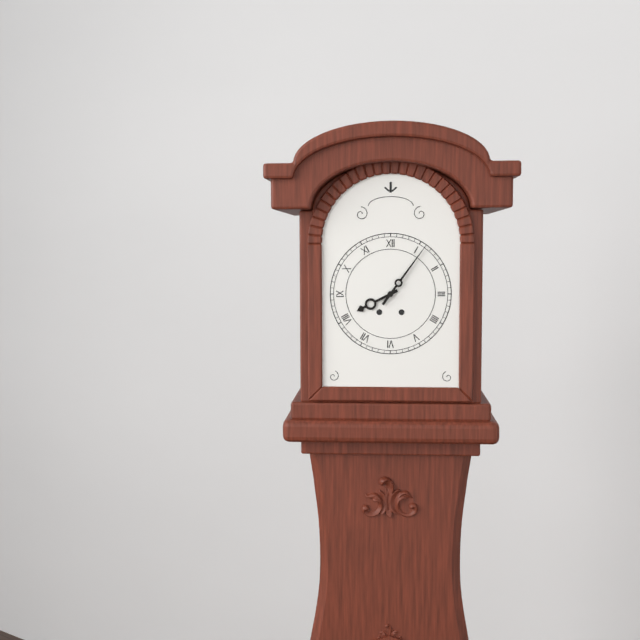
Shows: 8:06
